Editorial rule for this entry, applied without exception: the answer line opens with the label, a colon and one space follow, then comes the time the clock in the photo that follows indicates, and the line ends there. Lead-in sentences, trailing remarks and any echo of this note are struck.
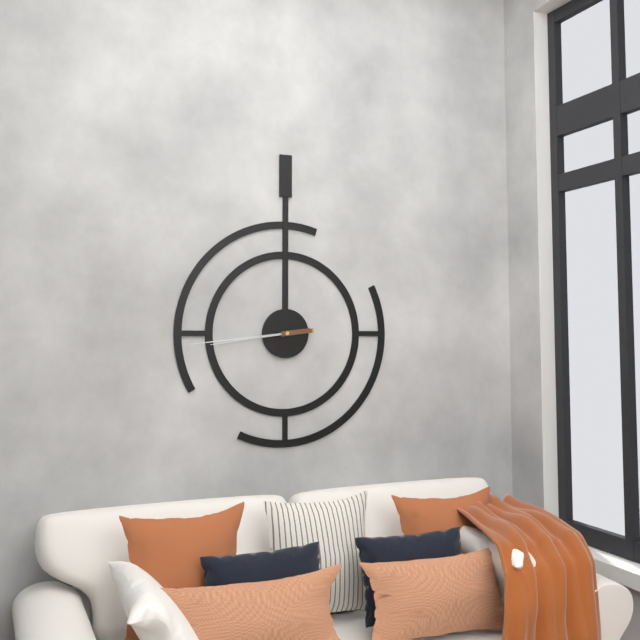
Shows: 8:44
